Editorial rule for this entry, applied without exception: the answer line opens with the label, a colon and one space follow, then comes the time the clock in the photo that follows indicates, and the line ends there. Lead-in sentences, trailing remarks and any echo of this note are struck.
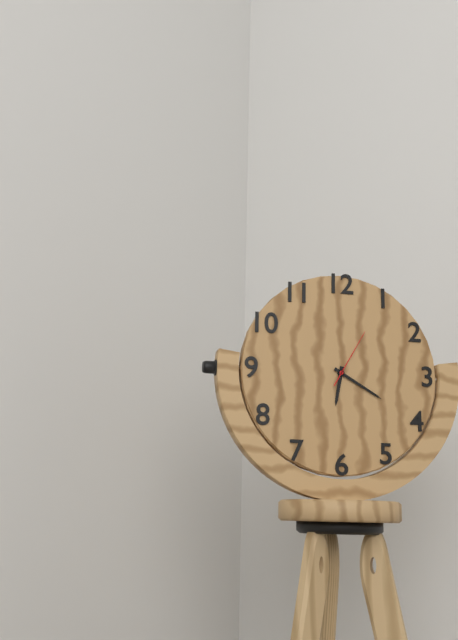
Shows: 6:20:05
